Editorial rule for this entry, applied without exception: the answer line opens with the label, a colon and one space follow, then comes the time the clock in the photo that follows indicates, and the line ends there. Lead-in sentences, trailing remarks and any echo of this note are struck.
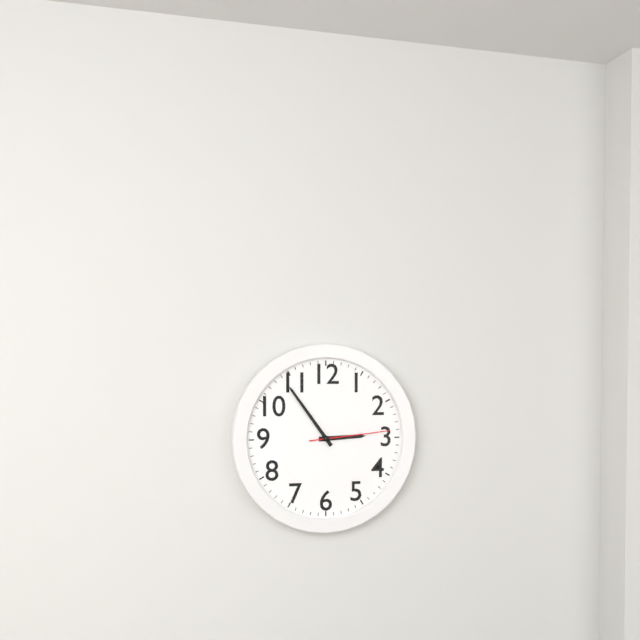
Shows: 2:54:14
